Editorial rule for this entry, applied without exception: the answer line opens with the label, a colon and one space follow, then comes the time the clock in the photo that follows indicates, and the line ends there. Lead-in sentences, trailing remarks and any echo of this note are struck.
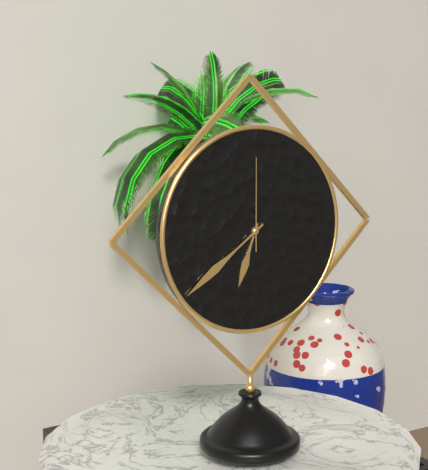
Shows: 6:39:00
